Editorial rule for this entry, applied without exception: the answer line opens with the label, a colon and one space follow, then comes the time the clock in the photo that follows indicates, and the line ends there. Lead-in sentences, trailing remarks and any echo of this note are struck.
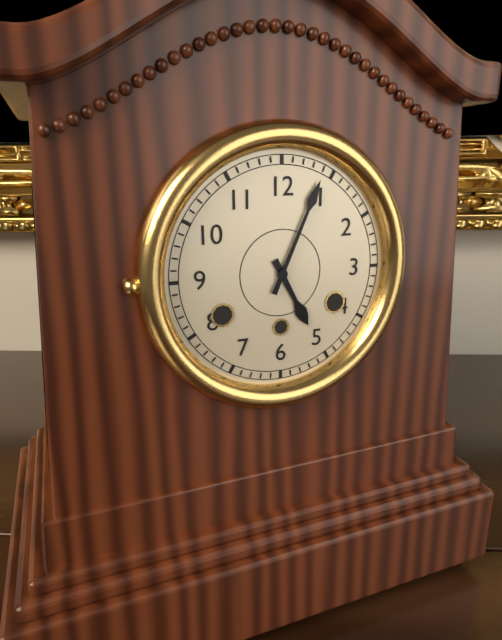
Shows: 5:04
